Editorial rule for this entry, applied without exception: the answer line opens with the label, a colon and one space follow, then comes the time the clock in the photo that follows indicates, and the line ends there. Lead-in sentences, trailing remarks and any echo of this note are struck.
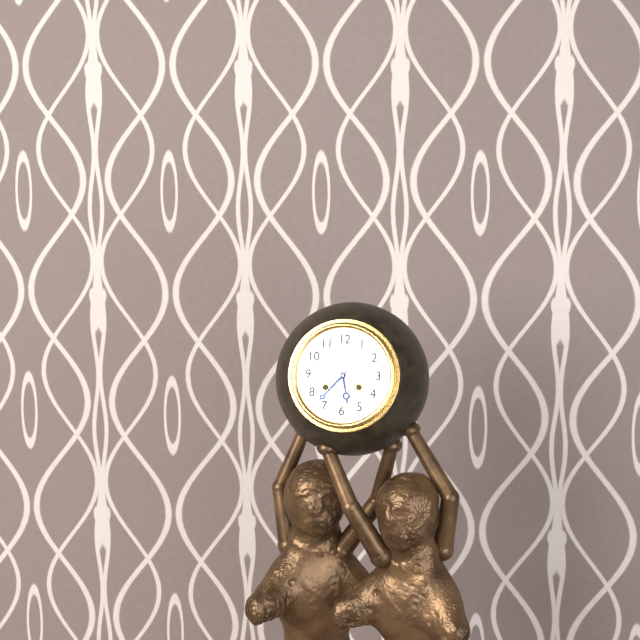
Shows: 5:37
